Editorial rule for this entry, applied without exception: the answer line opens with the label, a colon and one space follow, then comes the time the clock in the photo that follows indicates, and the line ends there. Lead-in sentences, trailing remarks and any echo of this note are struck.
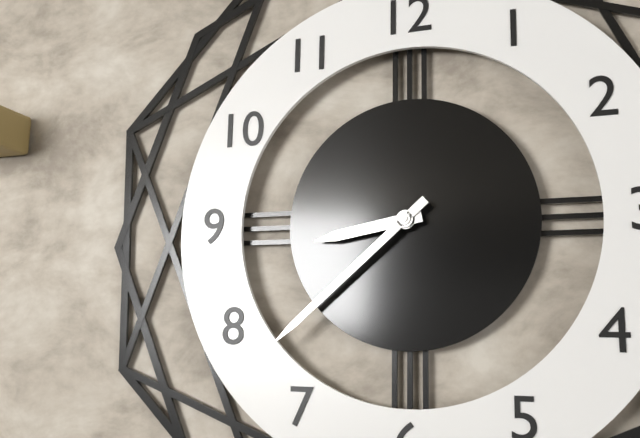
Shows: 8:38
